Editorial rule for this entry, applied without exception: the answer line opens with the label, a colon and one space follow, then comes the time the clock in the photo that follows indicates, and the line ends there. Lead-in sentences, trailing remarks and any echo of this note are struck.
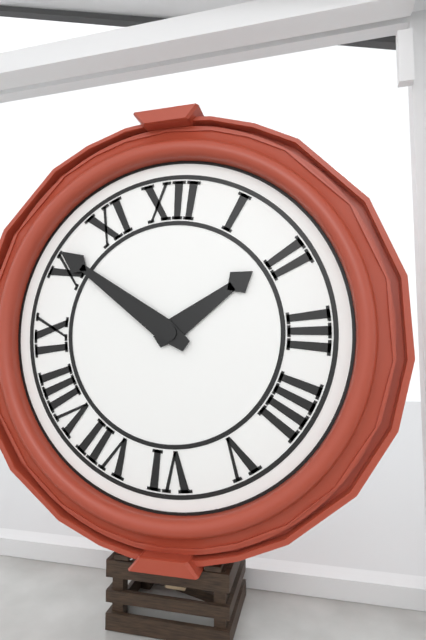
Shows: 1:51
